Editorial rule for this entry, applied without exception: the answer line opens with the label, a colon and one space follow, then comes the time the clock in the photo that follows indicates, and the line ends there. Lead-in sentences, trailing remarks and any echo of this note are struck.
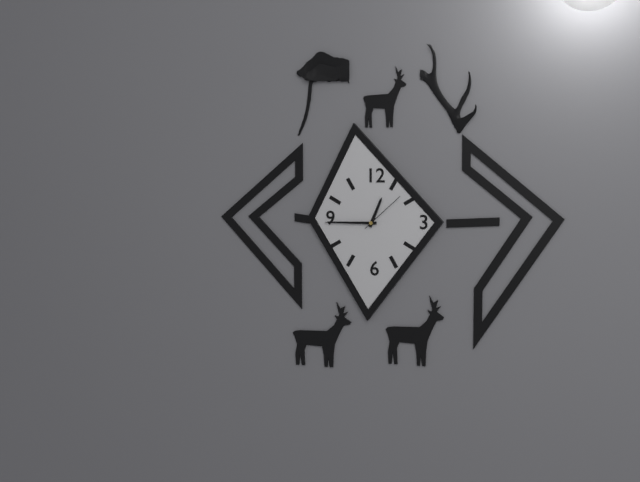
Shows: 12:45
